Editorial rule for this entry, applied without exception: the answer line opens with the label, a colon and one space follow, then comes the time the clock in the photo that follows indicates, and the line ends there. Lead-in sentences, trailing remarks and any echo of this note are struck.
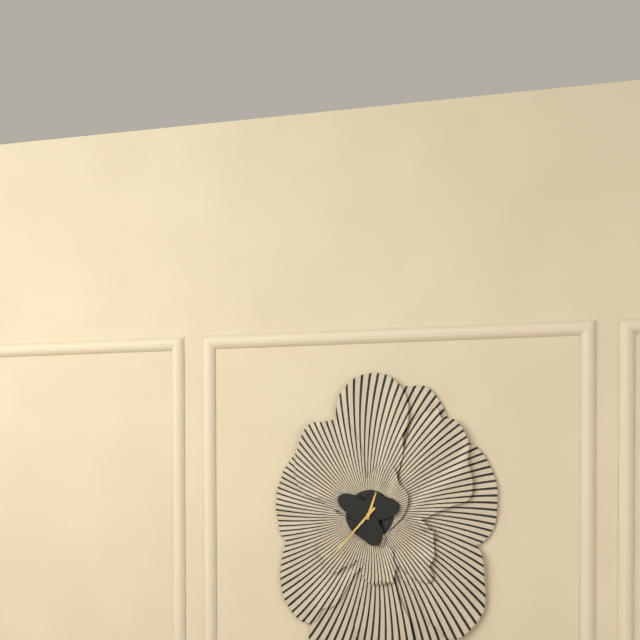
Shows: 12:37
